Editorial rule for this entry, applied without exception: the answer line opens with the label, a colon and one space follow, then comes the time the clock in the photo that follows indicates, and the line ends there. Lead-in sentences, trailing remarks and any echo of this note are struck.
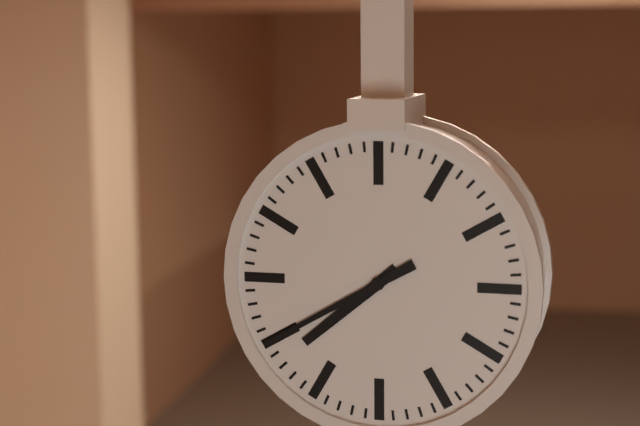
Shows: 7:40
